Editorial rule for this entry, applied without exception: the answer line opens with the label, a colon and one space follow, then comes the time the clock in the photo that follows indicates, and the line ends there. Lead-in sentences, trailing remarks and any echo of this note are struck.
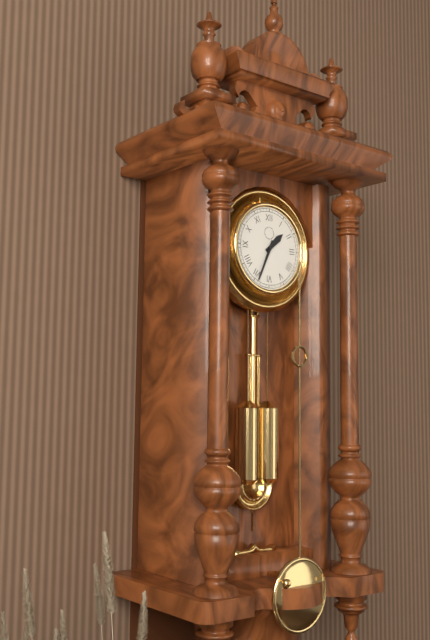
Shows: 1:34
